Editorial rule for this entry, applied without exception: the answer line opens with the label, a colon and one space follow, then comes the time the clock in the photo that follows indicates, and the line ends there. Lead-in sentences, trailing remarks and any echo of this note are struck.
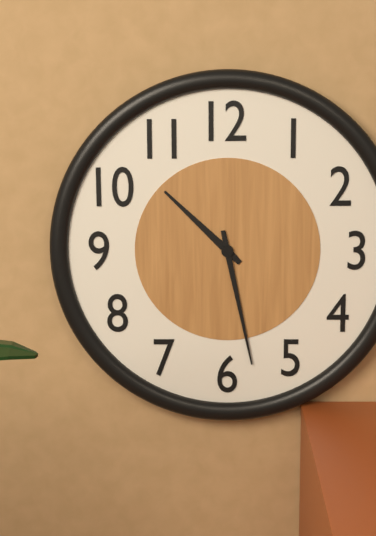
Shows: 10:28
